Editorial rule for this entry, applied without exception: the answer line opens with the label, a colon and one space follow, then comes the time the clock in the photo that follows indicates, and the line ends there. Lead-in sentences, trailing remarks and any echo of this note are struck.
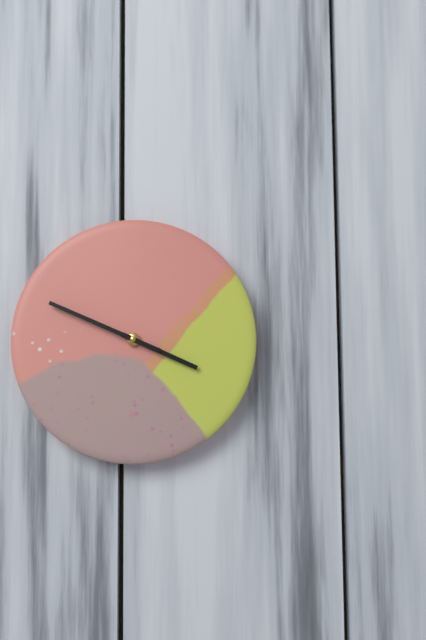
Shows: 3:49
